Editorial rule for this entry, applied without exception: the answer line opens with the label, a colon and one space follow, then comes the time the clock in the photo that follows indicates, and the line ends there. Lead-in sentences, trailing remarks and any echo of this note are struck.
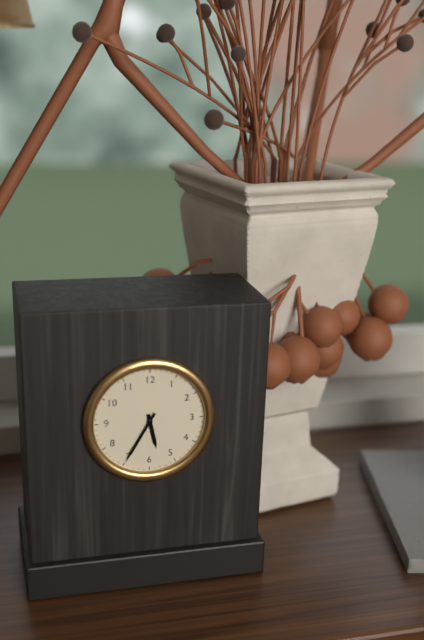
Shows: 5:35
